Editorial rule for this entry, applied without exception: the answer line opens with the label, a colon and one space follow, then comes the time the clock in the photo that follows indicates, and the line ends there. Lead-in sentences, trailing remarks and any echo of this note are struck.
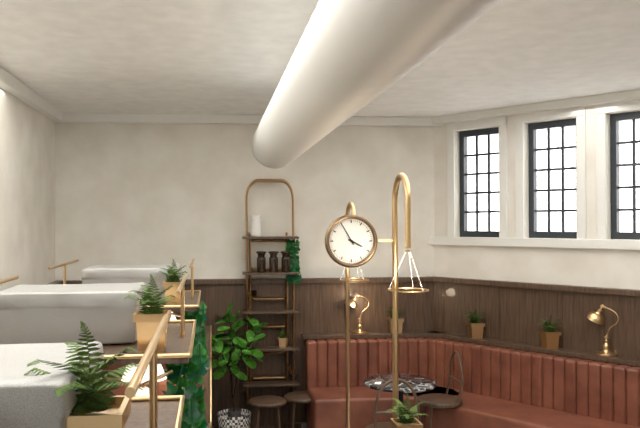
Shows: 3:55
